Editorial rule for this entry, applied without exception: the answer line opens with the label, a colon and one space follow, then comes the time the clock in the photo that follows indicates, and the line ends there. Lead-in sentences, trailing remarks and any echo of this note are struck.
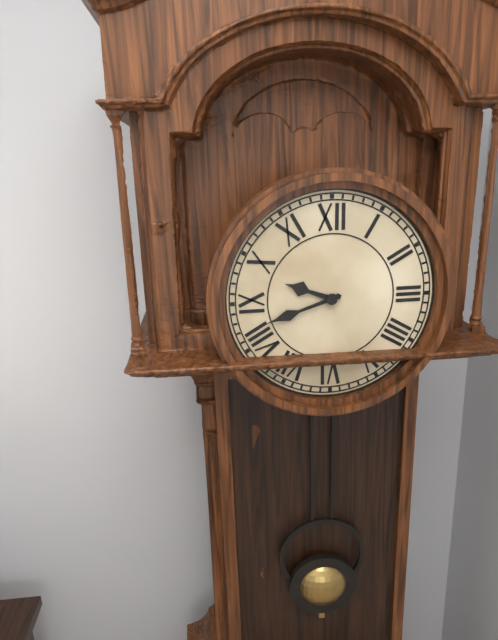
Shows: 9:42
